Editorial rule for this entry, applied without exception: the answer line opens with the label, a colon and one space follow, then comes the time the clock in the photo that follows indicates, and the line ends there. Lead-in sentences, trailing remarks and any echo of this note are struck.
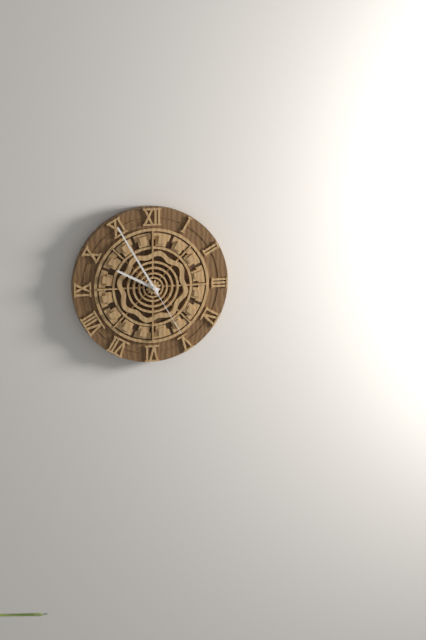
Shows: 9:55:25
